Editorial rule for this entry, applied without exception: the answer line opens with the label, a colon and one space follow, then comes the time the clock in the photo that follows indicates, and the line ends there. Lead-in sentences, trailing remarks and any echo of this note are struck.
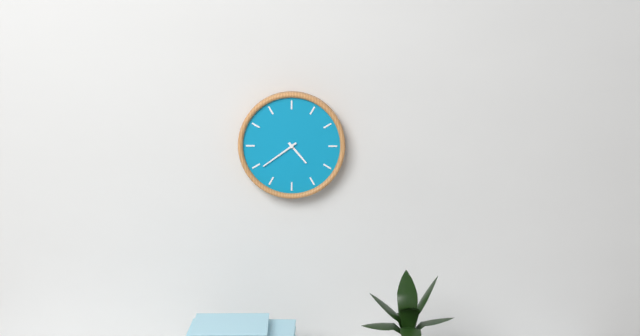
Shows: 4:39
